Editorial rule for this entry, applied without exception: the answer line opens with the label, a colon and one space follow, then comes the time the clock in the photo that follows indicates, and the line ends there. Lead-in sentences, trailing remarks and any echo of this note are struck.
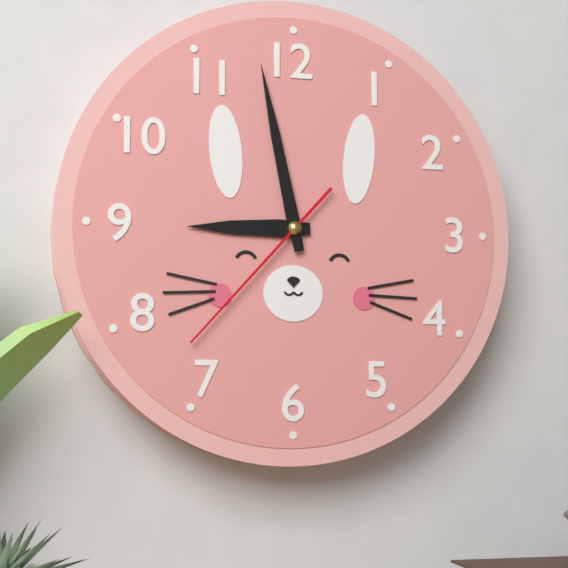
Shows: 8:58:37
